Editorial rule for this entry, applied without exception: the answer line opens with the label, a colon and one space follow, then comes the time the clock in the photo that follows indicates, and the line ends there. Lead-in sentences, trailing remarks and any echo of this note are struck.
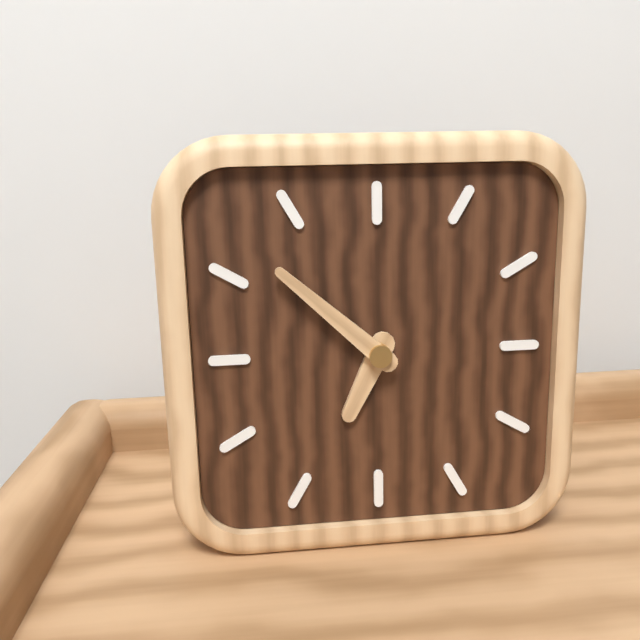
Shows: 6:52
